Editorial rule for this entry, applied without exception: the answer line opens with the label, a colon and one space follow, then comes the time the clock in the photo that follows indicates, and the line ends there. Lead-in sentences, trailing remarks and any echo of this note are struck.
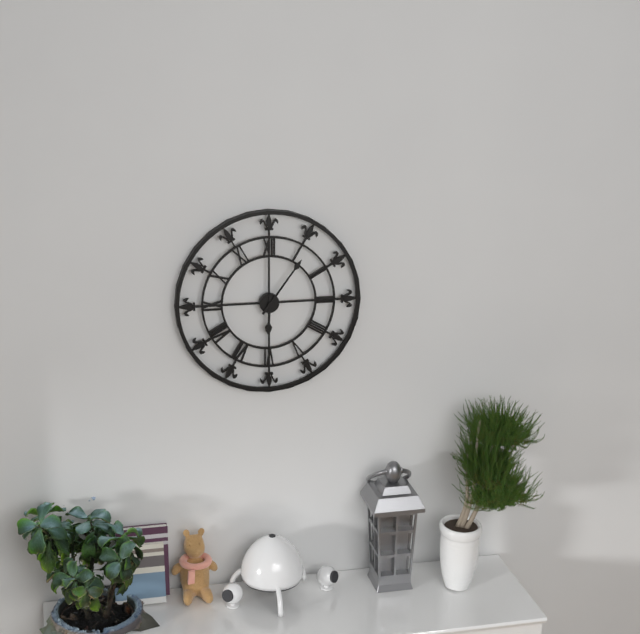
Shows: 6:06
